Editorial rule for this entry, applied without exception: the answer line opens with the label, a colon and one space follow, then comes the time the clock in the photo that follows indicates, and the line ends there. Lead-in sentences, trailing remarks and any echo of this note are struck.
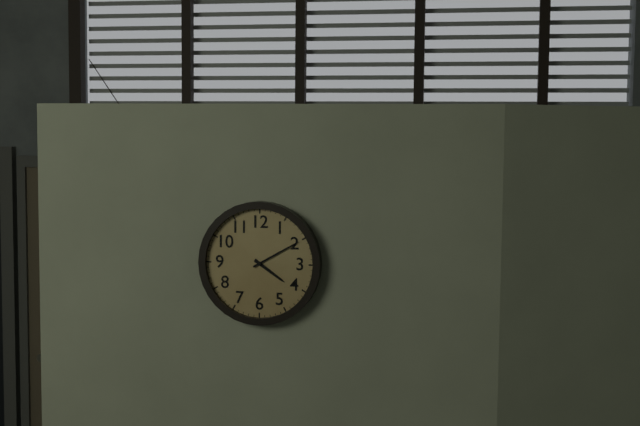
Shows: 4:10
